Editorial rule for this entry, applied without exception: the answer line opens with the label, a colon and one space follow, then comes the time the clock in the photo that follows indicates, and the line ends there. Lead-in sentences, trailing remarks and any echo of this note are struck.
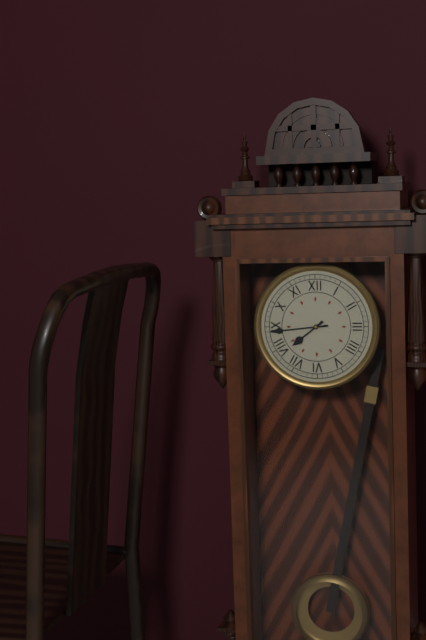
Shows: 7:44
